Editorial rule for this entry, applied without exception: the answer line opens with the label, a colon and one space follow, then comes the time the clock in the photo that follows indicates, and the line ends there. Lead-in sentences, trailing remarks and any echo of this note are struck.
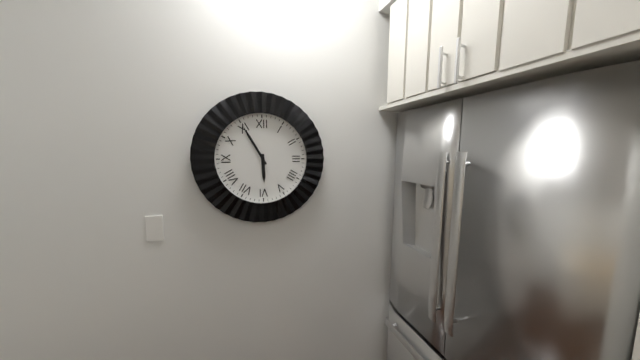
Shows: 5:55
